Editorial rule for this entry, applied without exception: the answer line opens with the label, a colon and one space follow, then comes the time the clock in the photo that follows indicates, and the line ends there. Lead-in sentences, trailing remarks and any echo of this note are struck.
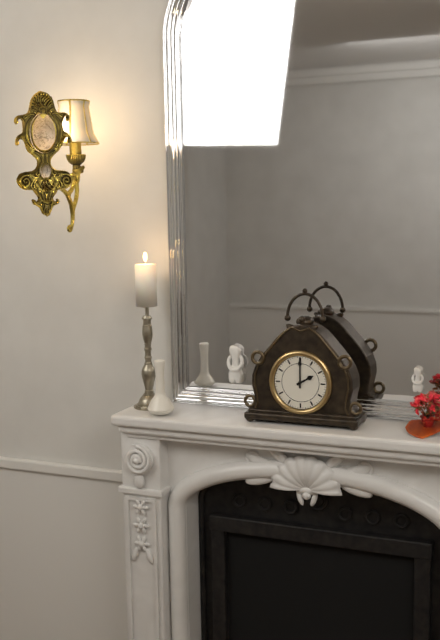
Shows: 2:00
